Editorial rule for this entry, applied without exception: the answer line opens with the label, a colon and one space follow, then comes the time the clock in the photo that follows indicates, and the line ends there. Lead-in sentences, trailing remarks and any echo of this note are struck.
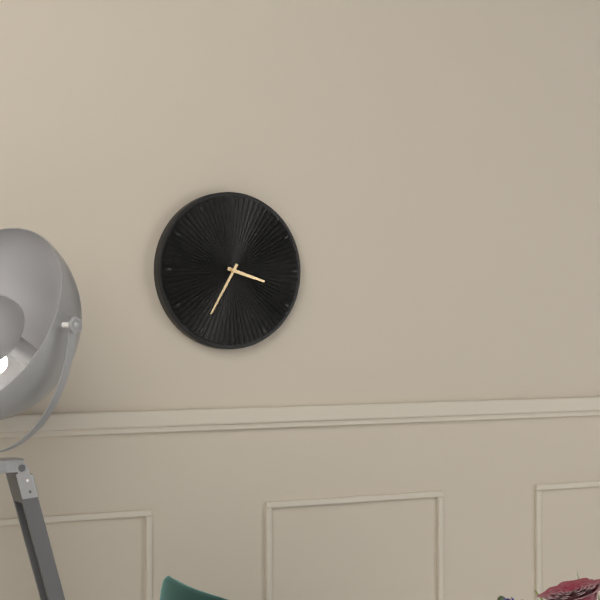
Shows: 3:35
